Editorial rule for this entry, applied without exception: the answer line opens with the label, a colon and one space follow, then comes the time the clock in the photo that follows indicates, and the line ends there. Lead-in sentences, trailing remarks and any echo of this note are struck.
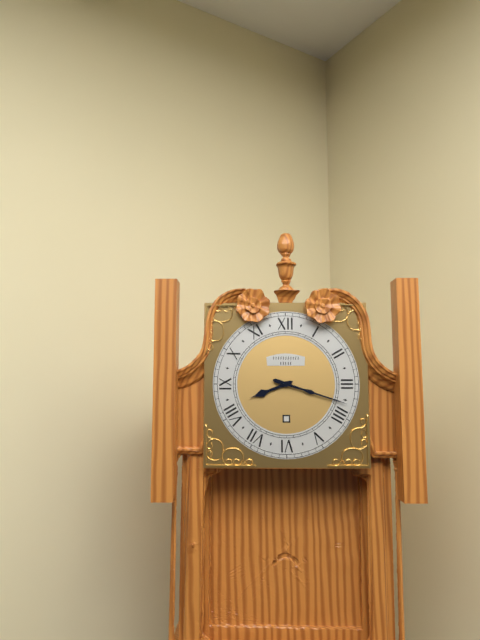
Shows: 8:18
